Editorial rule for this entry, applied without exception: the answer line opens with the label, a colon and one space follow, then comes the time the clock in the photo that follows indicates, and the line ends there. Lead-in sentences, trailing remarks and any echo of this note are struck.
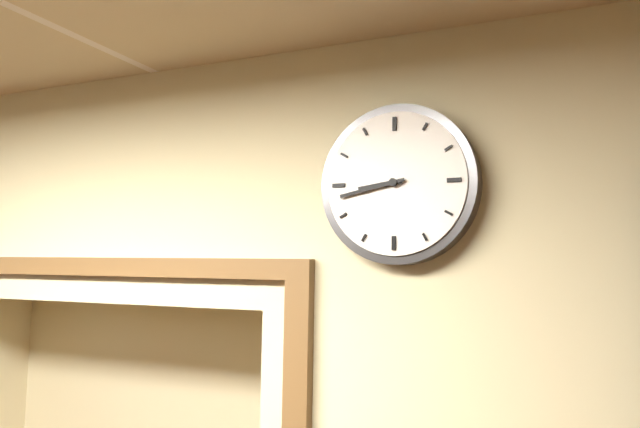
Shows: 8:43
